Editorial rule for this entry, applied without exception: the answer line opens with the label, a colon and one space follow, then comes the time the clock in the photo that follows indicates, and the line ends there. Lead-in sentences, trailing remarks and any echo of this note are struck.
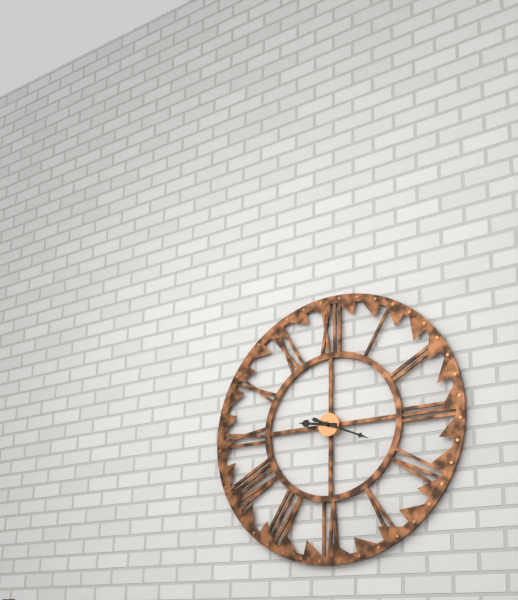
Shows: 9:19
